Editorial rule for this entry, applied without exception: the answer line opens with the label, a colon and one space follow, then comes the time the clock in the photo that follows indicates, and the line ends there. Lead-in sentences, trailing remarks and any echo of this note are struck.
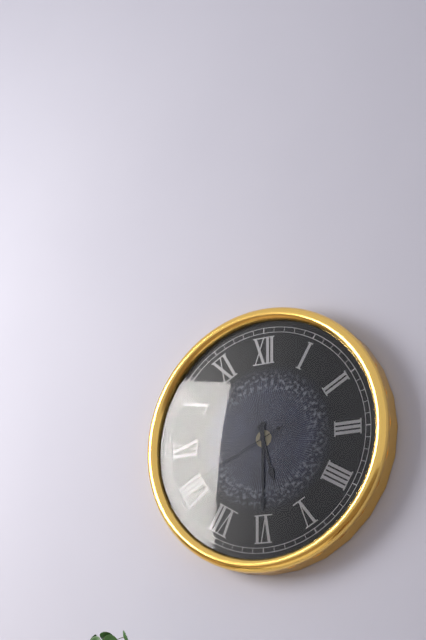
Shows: 5:30:41
